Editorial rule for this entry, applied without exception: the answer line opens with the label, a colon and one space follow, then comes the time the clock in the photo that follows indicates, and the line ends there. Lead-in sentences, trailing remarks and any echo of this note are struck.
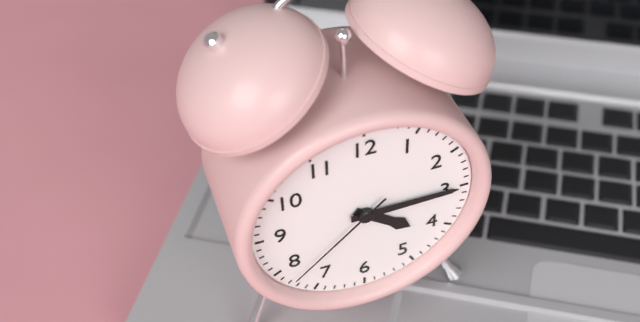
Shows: 4:15:38
